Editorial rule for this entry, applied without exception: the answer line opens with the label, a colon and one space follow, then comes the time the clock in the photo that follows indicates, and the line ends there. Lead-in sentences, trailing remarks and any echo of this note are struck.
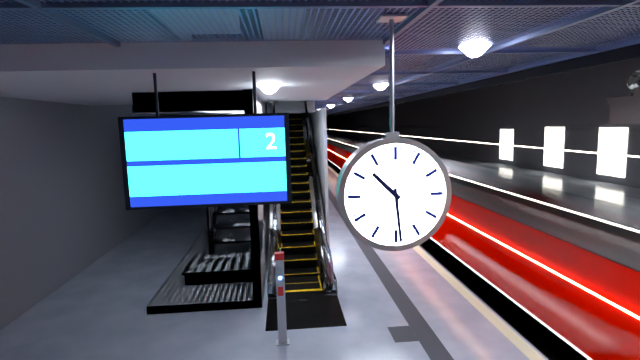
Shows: 10:29
